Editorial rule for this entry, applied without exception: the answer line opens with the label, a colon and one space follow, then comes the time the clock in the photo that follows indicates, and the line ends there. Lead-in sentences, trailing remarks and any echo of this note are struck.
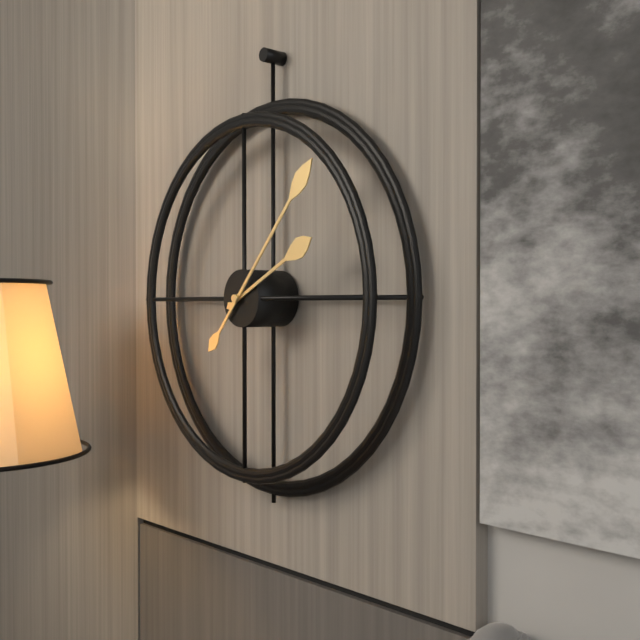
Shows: 2:07
